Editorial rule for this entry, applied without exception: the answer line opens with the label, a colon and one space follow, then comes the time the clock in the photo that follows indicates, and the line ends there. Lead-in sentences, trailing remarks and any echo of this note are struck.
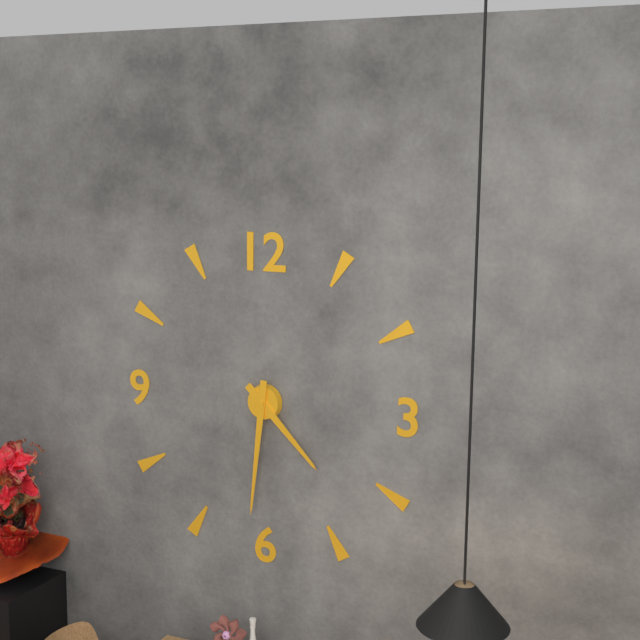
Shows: 4:31
